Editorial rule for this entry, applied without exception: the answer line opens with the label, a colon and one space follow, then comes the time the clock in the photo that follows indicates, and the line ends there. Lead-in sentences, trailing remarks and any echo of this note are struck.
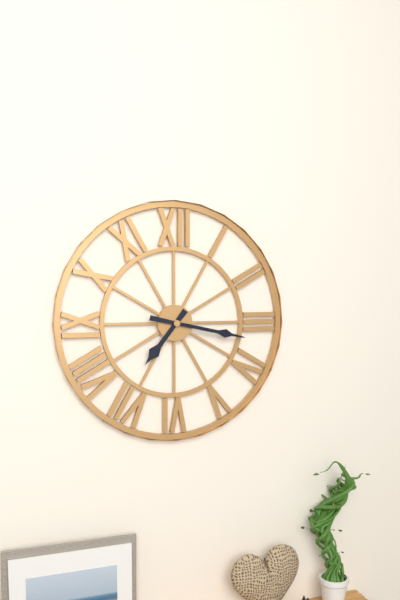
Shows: 7:17
